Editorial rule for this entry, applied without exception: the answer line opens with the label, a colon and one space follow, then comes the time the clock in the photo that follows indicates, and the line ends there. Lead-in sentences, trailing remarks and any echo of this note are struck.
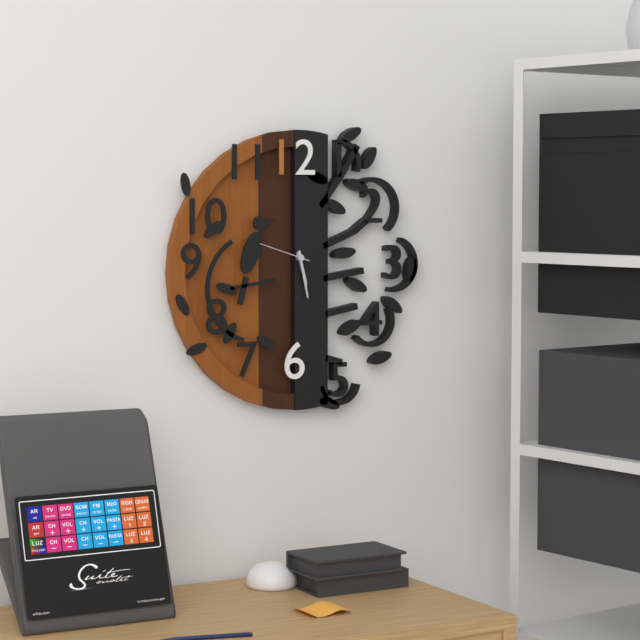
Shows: 5:28
